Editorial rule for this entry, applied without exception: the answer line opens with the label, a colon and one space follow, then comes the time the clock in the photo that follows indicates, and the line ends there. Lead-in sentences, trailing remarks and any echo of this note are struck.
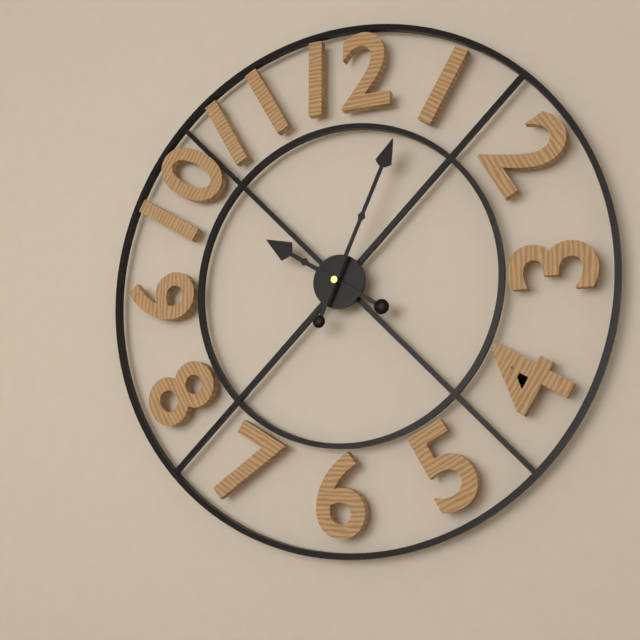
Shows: 10:04
